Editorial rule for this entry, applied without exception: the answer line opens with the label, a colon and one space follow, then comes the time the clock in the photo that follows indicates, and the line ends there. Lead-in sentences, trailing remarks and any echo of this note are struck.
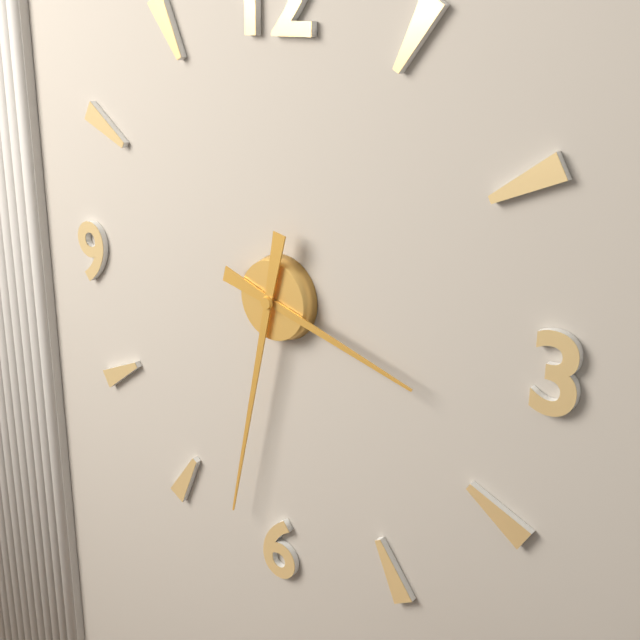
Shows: 3:32
